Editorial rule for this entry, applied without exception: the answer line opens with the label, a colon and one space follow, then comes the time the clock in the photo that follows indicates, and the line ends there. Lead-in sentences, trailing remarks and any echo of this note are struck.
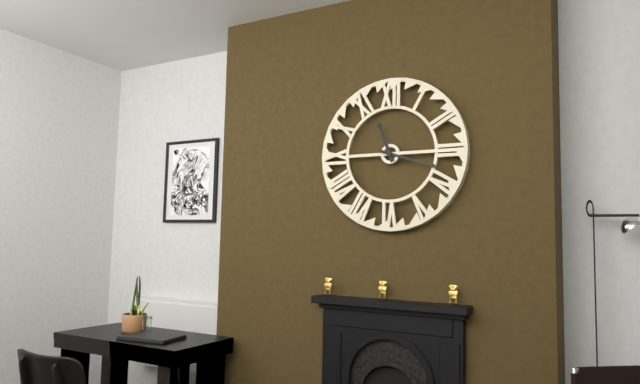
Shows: 11:18
